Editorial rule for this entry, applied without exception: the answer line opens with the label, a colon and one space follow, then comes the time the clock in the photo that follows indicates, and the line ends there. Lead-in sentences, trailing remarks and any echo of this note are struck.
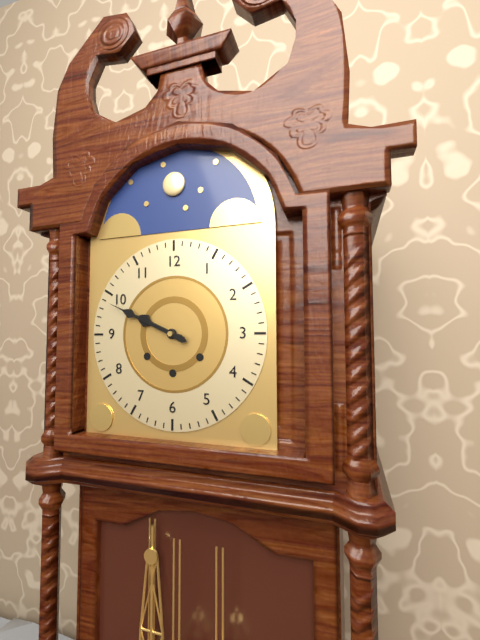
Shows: 9:49
